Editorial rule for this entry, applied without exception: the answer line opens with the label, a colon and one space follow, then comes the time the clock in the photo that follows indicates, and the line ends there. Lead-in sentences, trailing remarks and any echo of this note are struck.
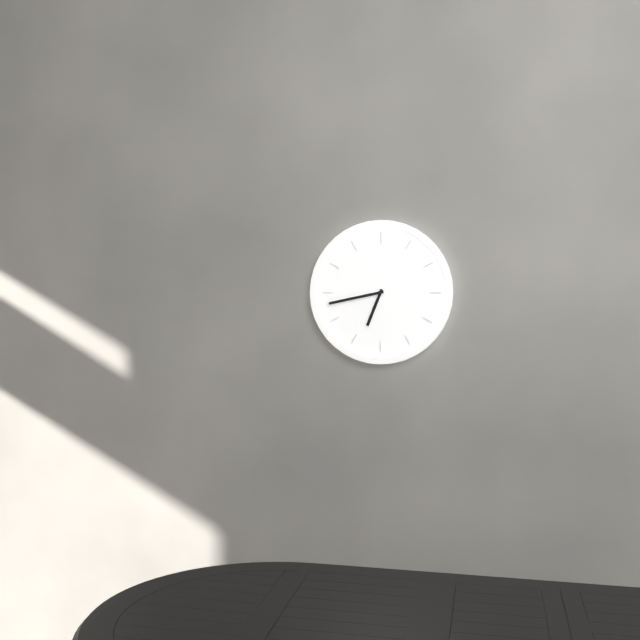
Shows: 6:43
